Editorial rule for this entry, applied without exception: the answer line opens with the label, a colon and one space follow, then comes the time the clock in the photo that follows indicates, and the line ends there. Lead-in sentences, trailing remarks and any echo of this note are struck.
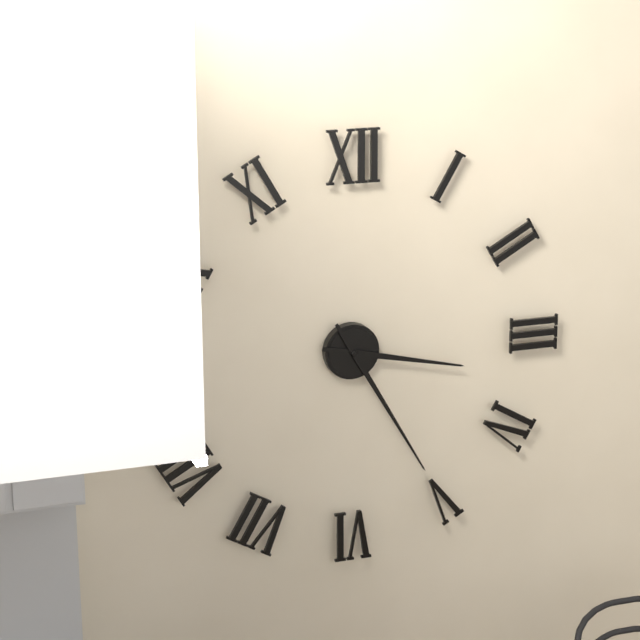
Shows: 3:25
